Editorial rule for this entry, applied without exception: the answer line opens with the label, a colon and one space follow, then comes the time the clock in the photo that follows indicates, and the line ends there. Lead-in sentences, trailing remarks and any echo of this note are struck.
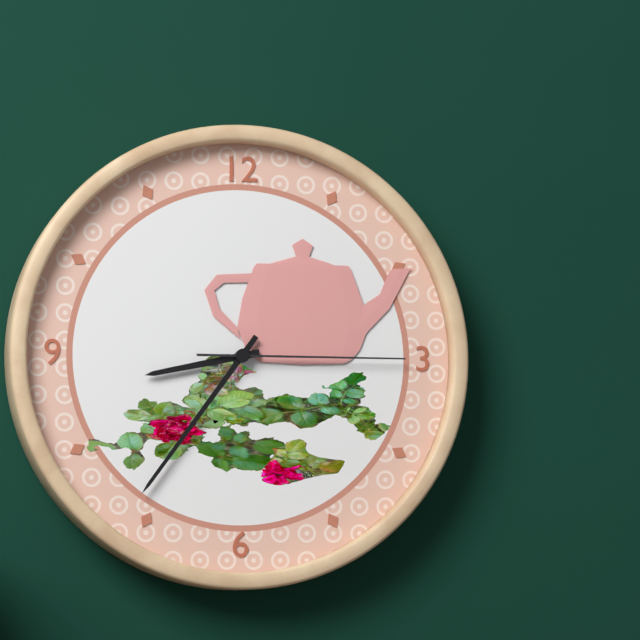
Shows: 8:36:15
